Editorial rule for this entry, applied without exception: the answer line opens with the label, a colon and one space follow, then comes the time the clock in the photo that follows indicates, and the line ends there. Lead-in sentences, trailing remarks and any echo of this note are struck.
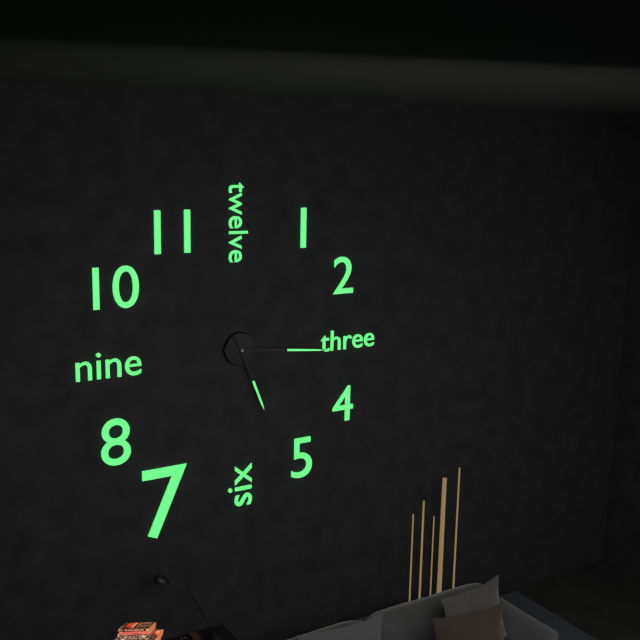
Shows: 5:16
